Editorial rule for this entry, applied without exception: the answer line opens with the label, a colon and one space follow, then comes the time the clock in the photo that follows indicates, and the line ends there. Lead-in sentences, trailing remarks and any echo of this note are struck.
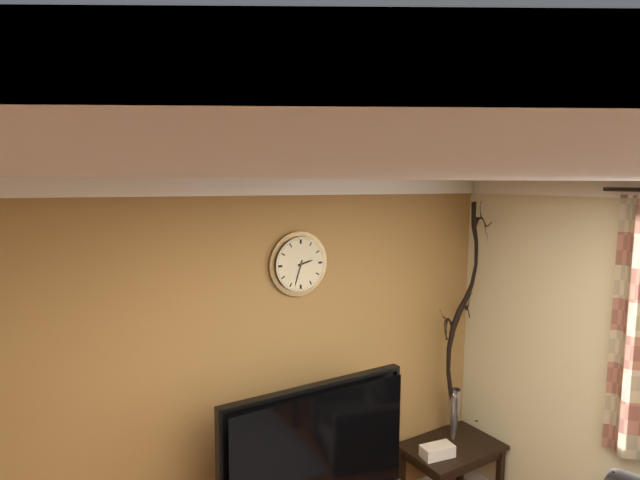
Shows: 2:33
